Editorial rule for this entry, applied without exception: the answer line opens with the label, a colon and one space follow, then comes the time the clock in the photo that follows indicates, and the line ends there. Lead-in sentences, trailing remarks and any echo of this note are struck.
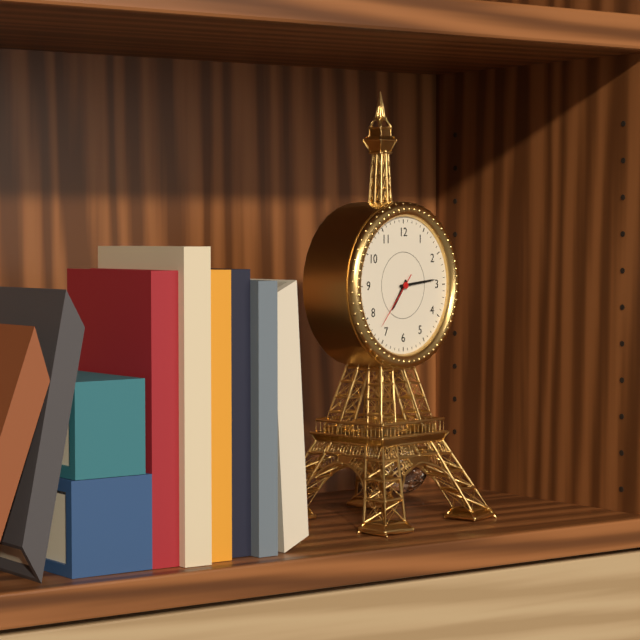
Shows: 7:14:37
